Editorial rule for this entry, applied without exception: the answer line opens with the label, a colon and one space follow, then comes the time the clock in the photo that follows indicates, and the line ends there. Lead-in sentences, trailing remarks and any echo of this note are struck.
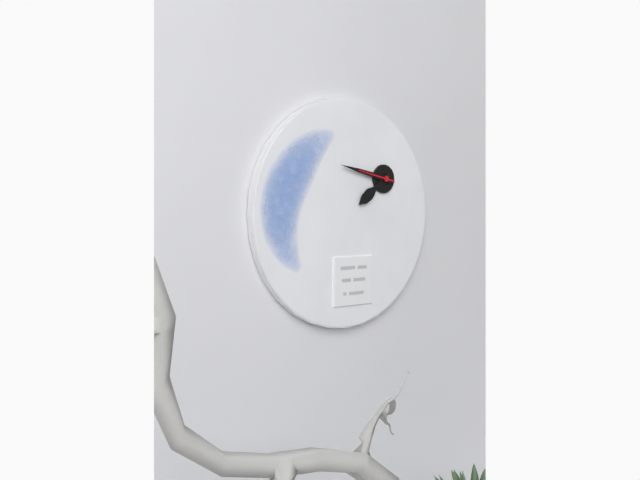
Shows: 7:47
